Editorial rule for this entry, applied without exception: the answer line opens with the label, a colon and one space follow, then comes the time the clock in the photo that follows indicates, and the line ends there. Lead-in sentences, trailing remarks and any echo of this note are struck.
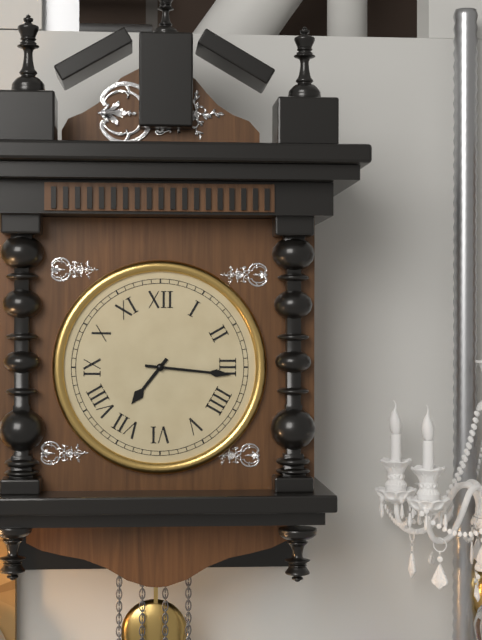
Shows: 7:16
